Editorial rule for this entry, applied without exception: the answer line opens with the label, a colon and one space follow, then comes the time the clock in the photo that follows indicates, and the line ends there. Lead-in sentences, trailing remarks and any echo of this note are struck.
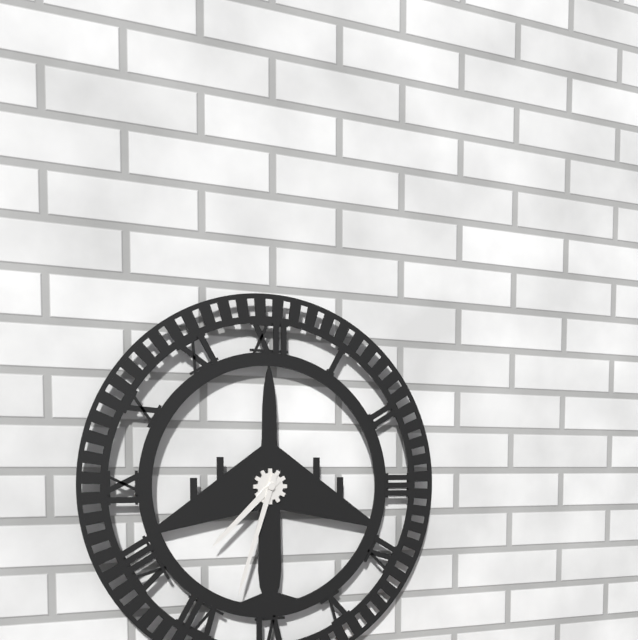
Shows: 7:33
